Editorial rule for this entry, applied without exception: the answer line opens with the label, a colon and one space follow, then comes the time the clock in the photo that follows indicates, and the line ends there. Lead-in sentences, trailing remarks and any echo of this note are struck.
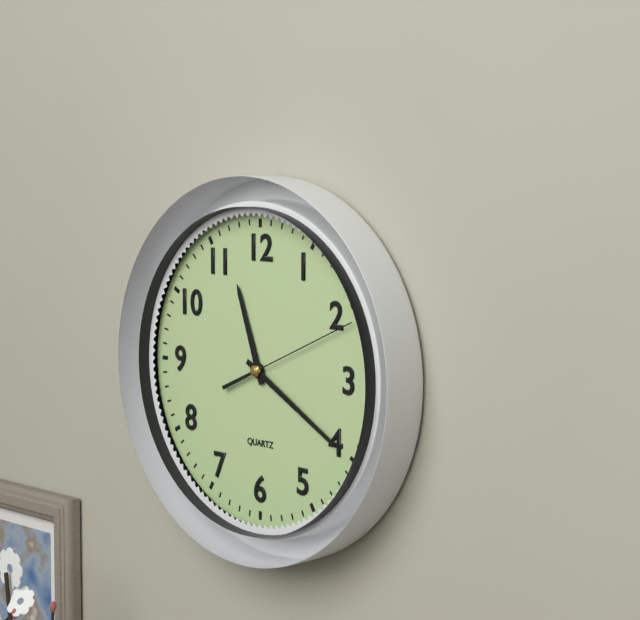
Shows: 11:20:11
